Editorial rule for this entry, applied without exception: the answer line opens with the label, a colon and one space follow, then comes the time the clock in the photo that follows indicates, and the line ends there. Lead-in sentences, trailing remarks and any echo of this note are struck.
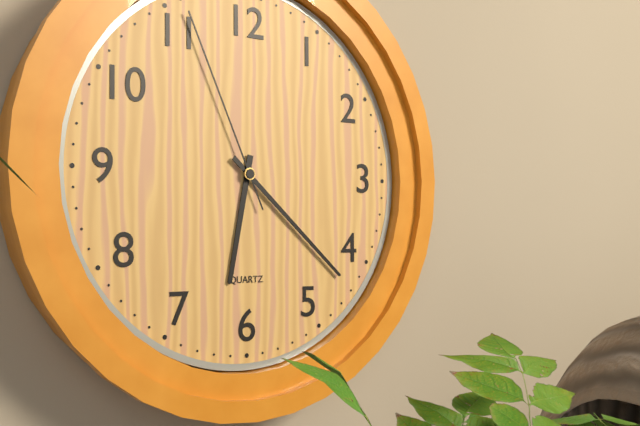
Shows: 6:22:56
